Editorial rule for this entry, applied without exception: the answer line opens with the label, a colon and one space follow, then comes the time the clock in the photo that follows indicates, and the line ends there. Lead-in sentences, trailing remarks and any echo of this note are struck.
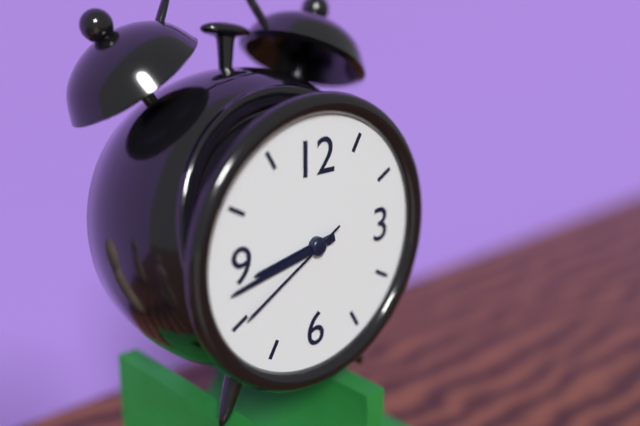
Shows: 8:43:40
